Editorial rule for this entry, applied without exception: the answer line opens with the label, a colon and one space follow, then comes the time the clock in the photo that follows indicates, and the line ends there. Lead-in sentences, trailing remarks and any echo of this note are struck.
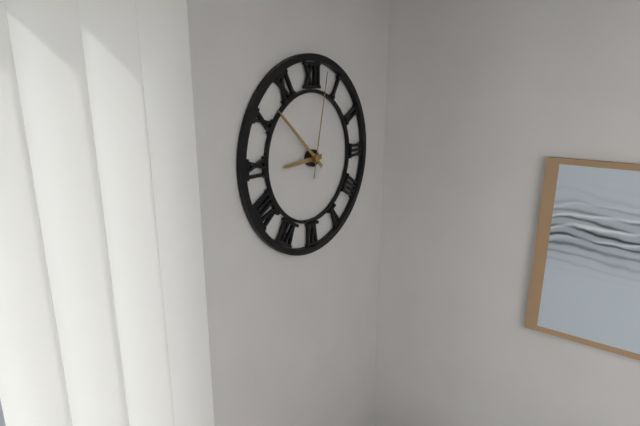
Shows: 8:52:02
